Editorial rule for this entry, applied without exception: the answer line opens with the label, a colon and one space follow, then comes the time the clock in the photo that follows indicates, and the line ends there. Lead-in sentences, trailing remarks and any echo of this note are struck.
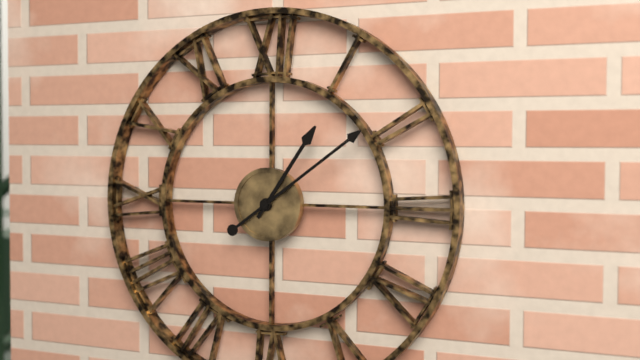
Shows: 1:09
